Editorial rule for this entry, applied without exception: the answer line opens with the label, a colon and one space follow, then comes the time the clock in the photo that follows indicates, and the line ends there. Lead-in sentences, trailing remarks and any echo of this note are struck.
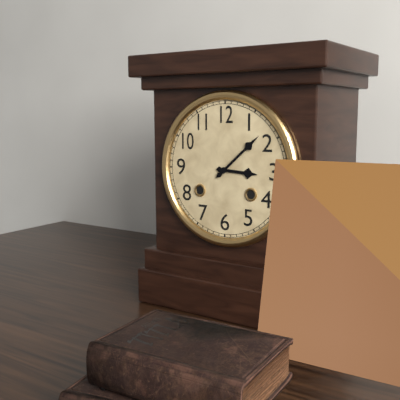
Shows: 3:08
